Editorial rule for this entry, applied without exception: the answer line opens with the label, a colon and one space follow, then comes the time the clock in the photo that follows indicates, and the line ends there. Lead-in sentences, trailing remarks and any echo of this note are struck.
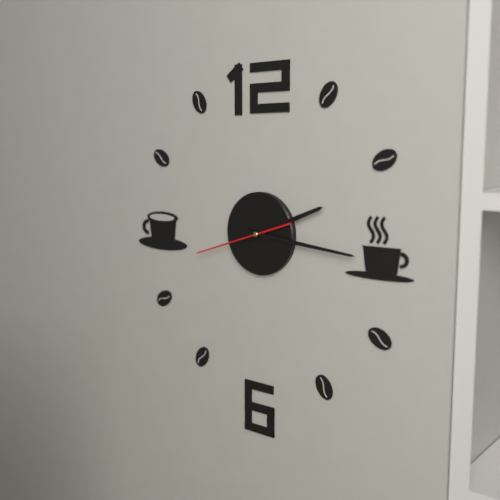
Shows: 2:16:42
